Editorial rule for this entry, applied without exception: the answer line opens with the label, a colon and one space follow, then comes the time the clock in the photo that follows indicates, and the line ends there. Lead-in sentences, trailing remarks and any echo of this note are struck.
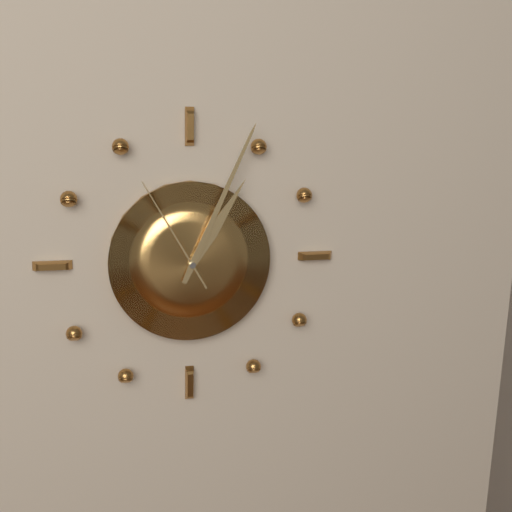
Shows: 1:04:55
